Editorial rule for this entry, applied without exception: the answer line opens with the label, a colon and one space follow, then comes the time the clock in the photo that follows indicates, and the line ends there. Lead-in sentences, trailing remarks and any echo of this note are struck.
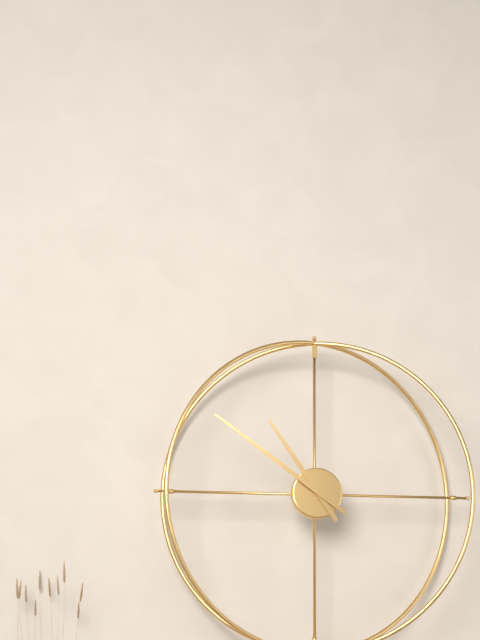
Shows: 10:51
